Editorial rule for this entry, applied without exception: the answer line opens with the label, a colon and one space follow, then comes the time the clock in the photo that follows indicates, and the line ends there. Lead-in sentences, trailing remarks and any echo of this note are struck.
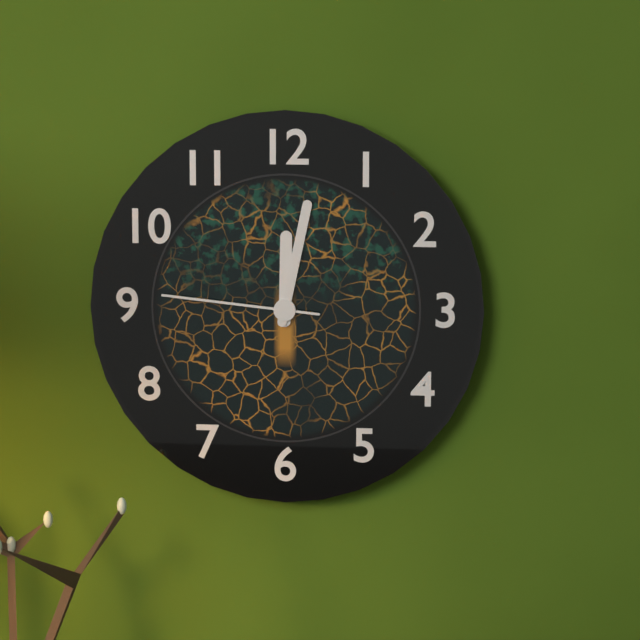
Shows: 12:02:46
